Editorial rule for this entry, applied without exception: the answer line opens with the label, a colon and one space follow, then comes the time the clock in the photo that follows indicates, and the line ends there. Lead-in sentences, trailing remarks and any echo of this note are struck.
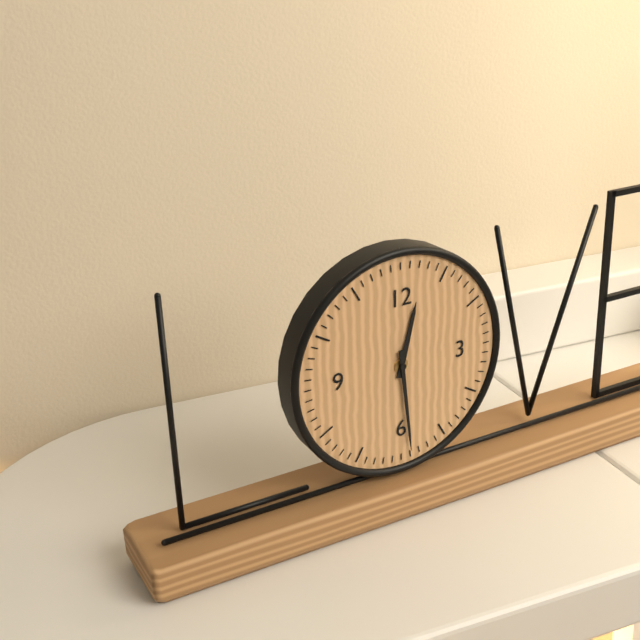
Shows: 12:29
